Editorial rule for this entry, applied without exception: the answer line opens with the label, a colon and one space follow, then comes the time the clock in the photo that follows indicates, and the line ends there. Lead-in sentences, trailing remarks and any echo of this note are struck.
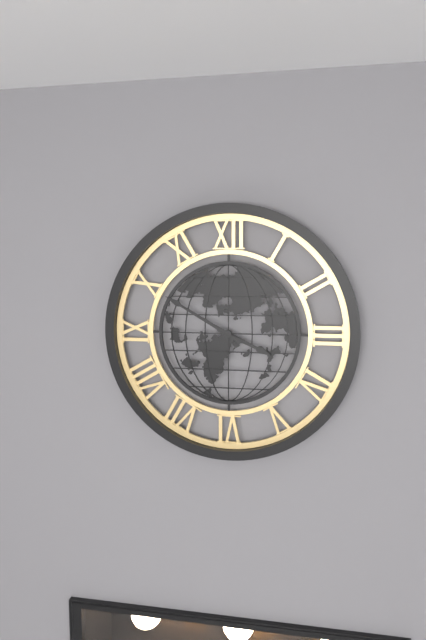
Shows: 3:50
